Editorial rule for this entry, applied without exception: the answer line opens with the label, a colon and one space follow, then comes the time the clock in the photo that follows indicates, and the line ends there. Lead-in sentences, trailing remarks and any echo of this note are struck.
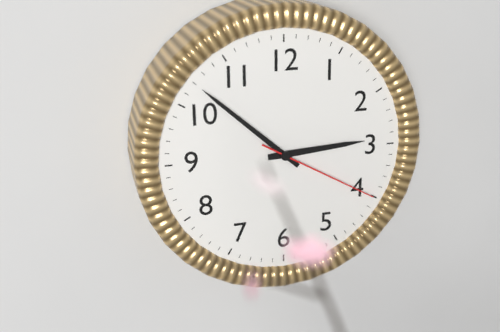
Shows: 2:52:20
